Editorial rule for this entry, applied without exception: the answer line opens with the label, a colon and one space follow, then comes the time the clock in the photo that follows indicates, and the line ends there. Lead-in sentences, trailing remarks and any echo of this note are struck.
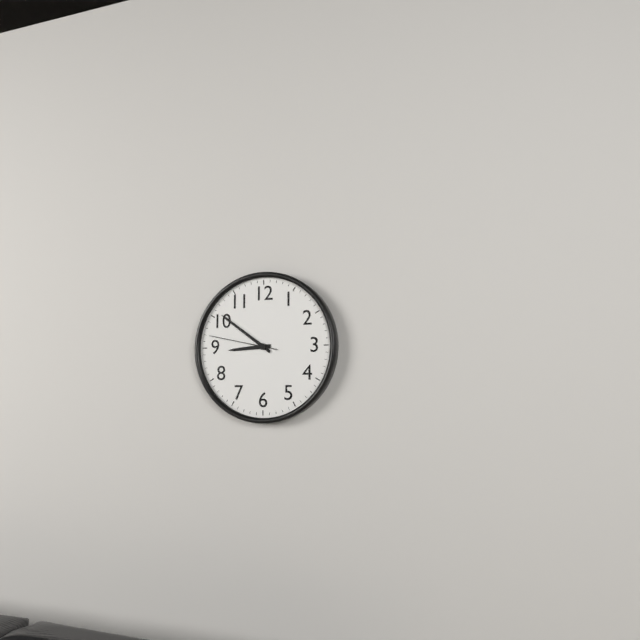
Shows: 8:51:47
